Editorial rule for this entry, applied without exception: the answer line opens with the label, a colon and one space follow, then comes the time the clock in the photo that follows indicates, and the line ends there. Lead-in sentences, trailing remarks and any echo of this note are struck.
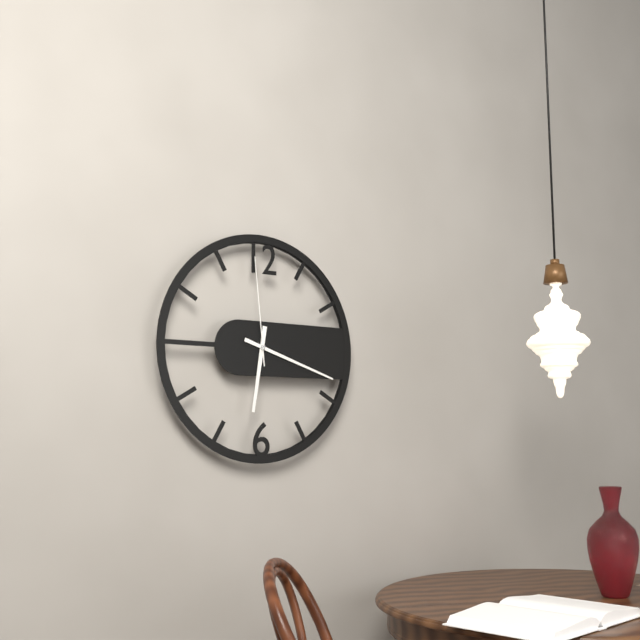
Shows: 6:18:59
